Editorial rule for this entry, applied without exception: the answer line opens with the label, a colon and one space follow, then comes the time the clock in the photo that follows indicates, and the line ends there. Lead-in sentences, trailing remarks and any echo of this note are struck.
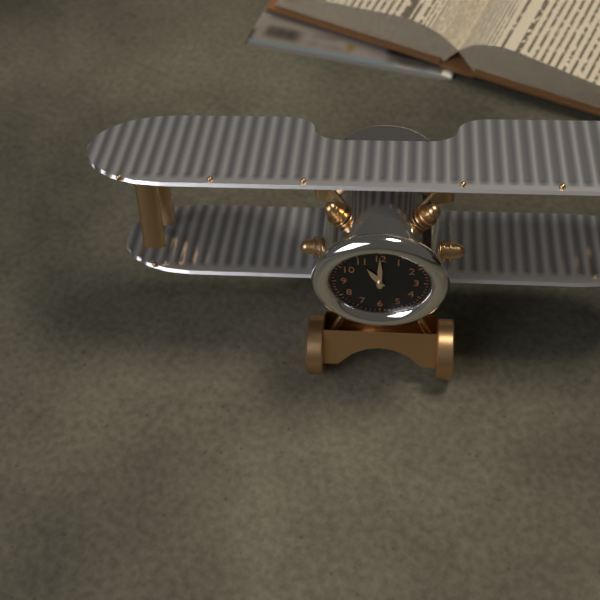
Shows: 11:00
